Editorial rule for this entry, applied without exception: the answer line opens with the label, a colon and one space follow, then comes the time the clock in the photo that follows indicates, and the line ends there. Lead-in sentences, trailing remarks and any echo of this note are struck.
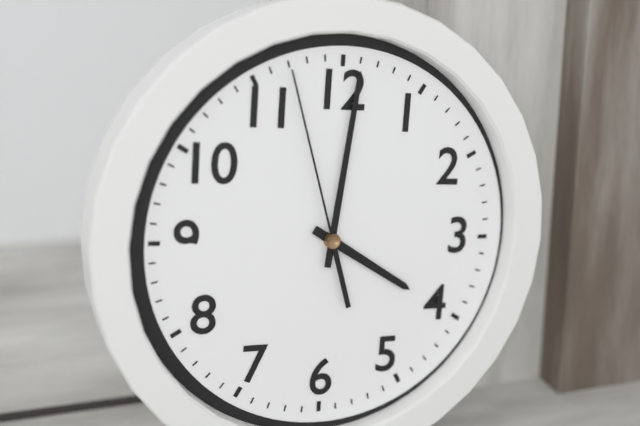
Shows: 4:01:57
